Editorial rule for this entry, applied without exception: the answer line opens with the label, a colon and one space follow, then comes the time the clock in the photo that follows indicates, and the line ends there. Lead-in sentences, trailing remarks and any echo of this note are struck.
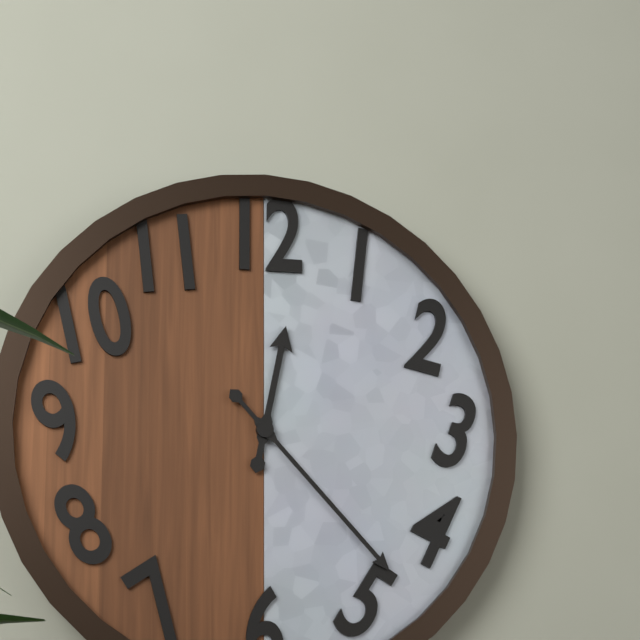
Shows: 12:23
